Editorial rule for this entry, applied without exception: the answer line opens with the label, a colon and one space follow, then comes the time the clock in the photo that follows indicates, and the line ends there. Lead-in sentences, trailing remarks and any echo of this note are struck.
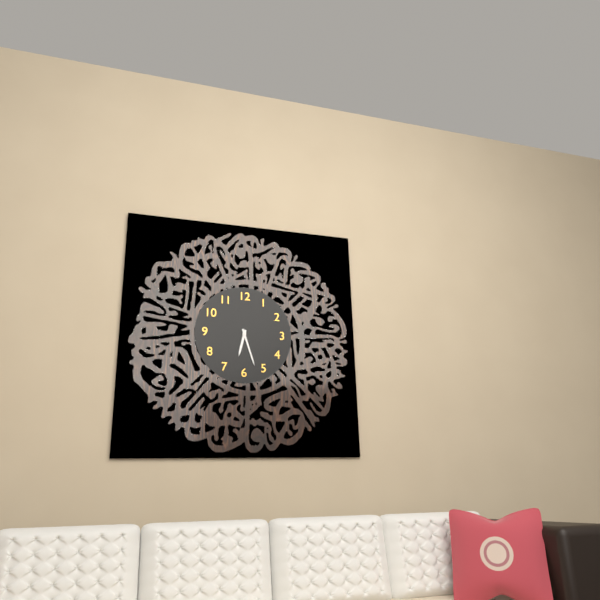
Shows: 6:27
